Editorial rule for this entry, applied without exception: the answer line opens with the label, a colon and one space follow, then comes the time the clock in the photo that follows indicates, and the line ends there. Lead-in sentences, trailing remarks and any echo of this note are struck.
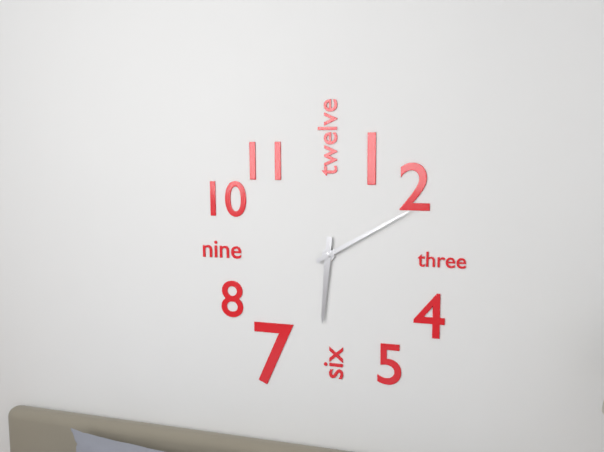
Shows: 6:10
